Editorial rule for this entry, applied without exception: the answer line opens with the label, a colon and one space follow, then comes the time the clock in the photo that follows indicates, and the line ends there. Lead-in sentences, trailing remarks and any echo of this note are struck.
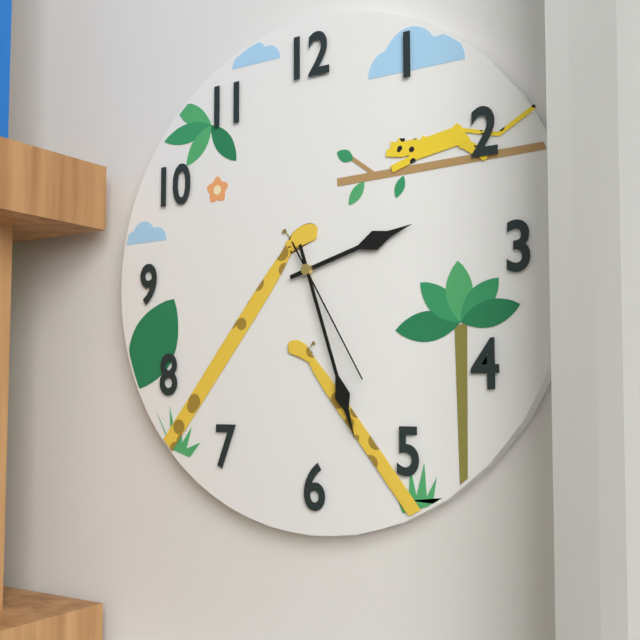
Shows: 2:27:25
